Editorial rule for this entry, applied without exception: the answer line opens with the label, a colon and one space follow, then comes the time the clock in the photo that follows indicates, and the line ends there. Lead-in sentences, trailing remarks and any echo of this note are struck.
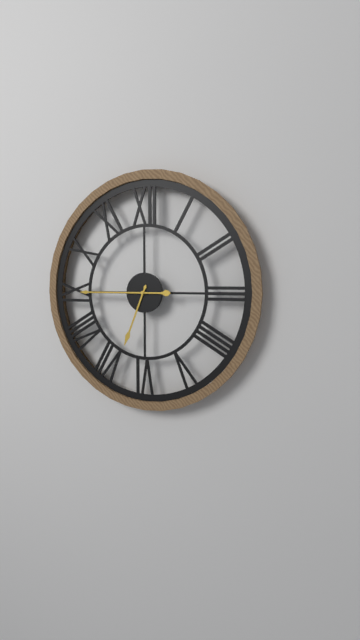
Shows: 6:45
